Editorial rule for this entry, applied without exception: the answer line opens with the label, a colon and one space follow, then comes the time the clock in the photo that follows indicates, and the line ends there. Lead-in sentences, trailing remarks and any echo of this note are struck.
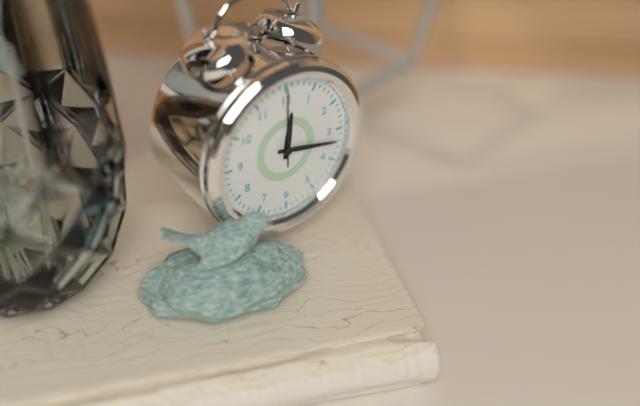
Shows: 12:17:00
